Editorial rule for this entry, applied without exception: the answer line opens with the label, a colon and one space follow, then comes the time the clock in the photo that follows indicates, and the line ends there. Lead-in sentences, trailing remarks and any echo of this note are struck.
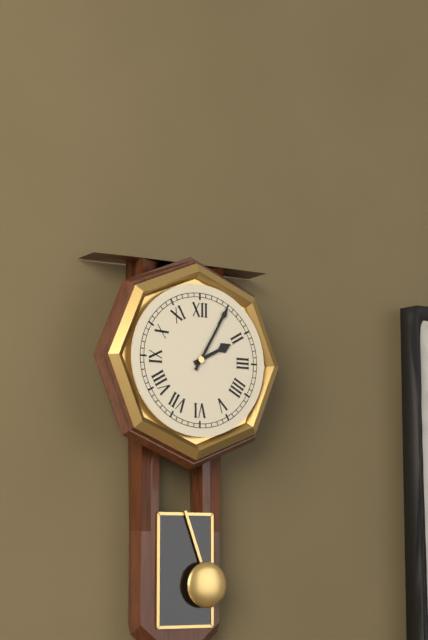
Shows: 2:05
